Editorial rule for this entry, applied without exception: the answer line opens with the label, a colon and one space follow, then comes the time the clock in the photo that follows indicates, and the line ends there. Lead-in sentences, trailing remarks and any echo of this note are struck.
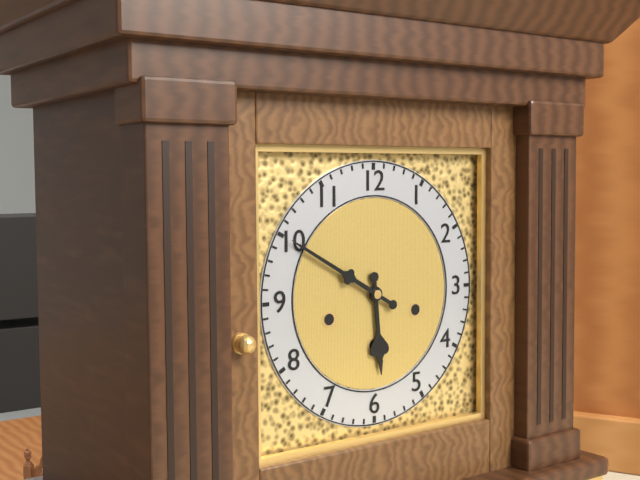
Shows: 5:50
